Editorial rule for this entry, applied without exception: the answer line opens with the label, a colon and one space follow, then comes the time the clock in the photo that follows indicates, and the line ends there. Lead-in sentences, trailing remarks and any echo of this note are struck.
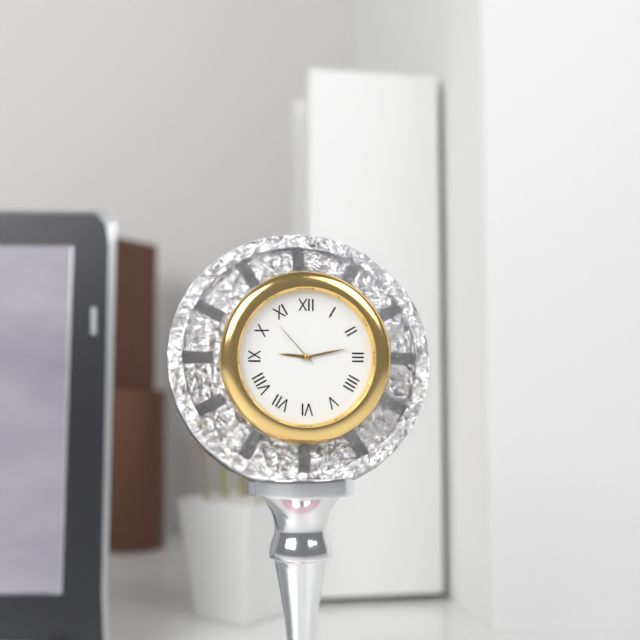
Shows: 9:13:53
